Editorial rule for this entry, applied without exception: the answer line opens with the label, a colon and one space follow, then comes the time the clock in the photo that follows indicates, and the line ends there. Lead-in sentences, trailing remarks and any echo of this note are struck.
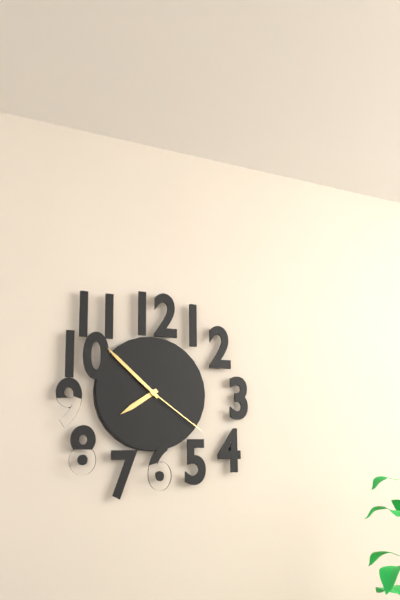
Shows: 7:52:21
